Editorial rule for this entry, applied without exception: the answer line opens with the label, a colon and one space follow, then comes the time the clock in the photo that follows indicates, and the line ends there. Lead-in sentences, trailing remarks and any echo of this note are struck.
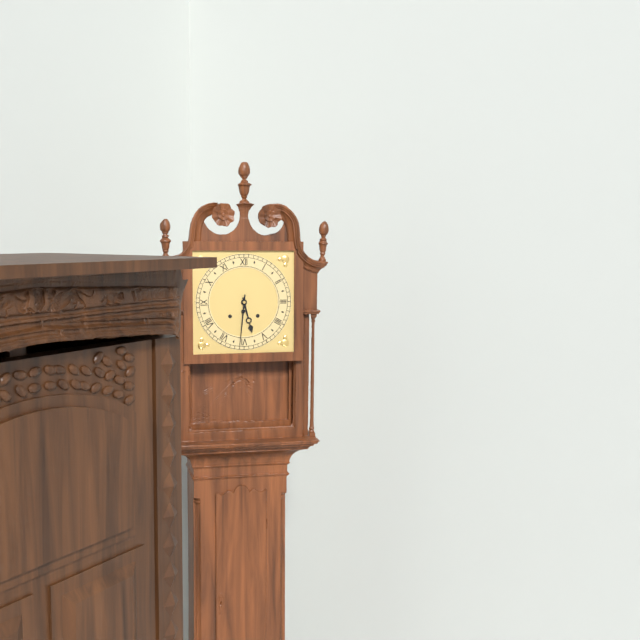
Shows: 5:31
